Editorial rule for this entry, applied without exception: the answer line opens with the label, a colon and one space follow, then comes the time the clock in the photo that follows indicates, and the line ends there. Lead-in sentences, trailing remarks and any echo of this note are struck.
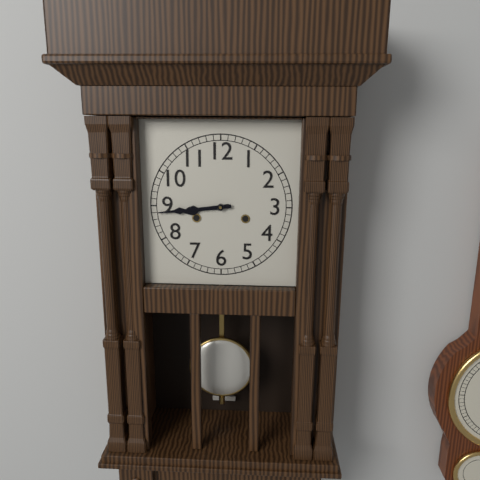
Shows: 8:44
